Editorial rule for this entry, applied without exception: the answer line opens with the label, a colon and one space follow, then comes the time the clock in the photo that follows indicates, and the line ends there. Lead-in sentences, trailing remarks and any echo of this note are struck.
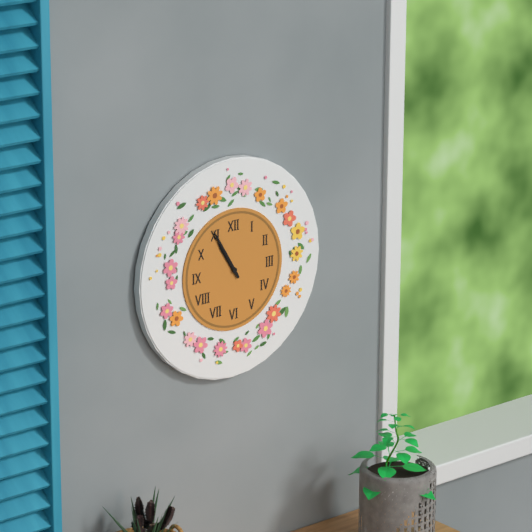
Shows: 10:55
